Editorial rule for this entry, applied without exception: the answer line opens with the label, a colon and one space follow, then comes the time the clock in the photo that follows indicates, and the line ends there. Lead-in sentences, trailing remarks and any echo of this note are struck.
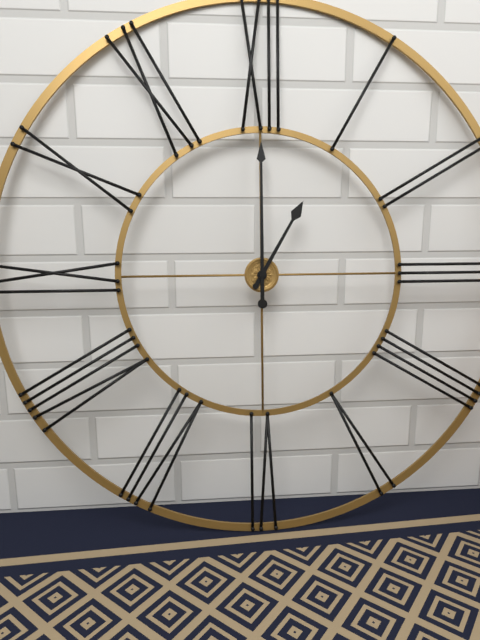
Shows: 1:00
